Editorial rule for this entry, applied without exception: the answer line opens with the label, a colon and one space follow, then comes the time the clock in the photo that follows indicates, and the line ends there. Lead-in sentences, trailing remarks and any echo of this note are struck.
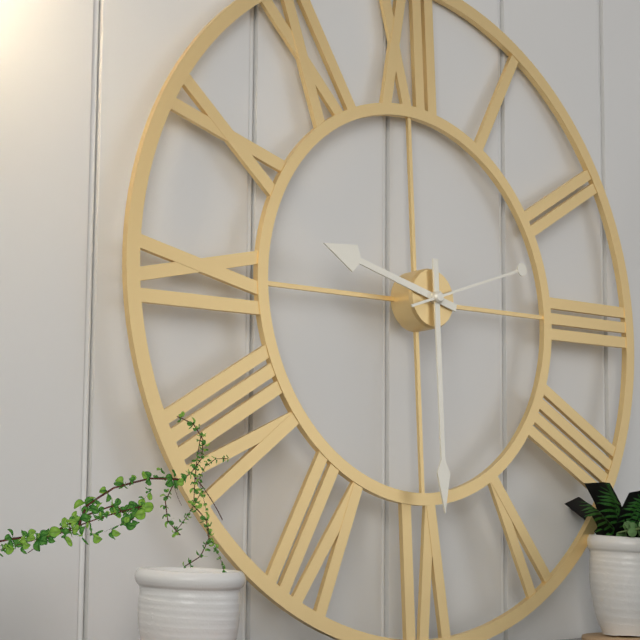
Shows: 9:30:12
